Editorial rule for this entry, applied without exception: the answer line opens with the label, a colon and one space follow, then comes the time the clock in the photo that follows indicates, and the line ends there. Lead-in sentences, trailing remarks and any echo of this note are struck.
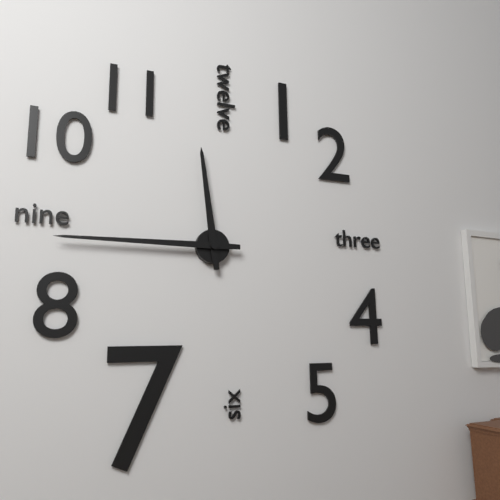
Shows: 11:45
